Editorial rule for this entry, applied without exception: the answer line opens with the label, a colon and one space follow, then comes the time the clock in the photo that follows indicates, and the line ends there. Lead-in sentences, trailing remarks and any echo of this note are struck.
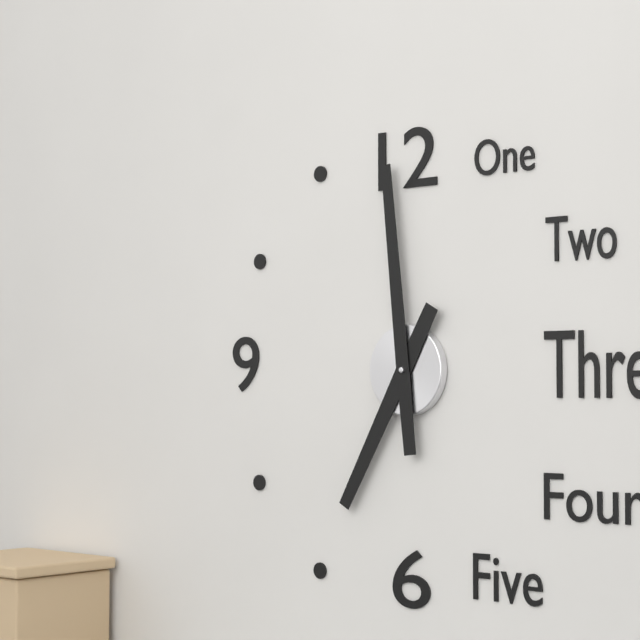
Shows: 6:59
